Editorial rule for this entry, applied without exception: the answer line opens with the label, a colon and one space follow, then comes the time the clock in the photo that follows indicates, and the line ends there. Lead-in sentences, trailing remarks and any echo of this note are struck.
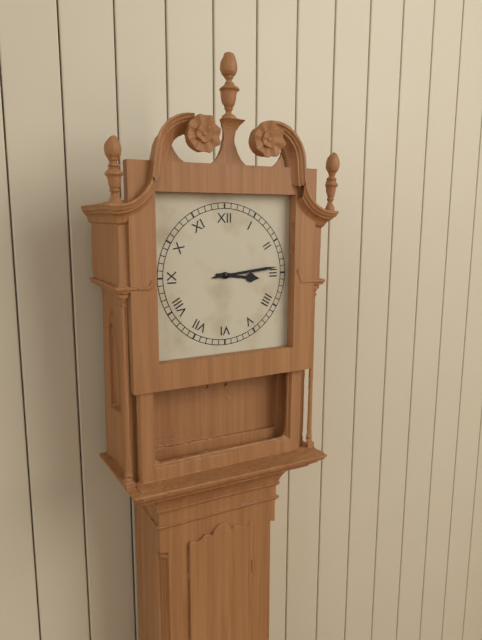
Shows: 3:14
